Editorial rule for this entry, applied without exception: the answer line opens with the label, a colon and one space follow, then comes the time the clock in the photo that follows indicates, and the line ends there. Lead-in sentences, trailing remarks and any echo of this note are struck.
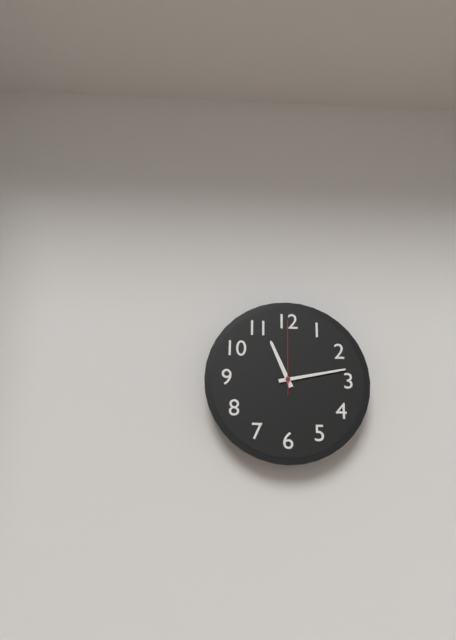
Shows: 11:13:00
